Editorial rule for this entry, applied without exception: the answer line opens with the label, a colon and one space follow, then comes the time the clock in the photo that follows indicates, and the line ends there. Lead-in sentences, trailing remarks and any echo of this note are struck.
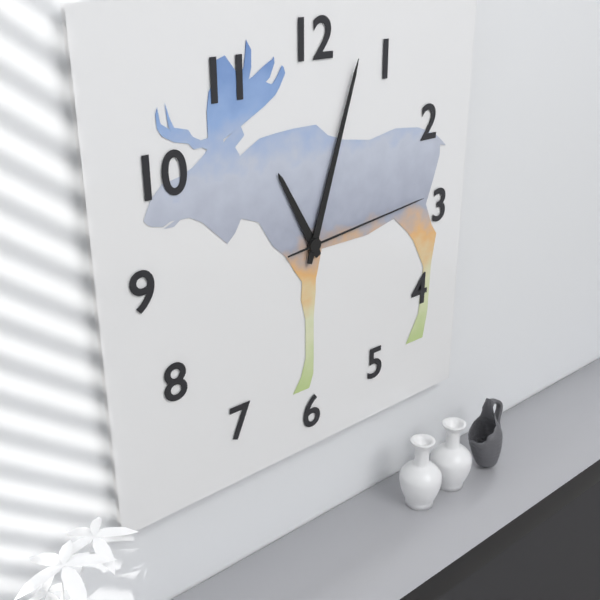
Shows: 11:03:14
